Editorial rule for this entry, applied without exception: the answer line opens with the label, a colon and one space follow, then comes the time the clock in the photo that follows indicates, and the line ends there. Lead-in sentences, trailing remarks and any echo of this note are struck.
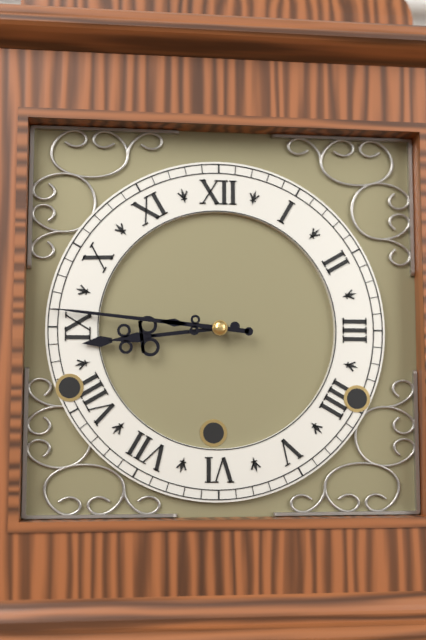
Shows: 8:46
